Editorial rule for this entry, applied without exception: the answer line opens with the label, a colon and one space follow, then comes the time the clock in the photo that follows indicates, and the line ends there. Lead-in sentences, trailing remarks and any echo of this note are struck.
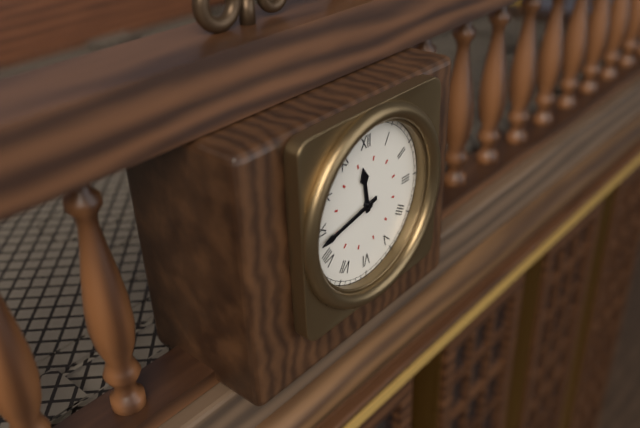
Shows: 11:43
